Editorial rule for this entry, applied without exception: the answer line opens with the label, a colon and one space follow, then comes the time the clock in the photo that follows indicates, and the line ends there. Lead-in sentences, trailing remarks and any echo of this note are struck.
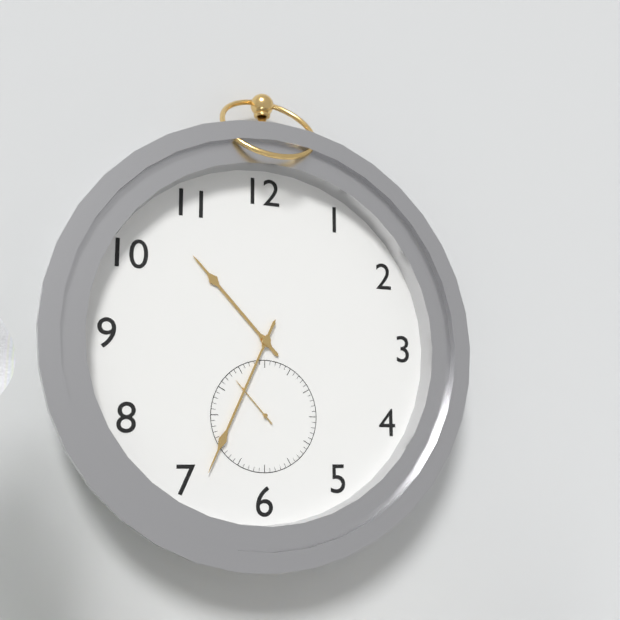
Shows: 10:34:53
